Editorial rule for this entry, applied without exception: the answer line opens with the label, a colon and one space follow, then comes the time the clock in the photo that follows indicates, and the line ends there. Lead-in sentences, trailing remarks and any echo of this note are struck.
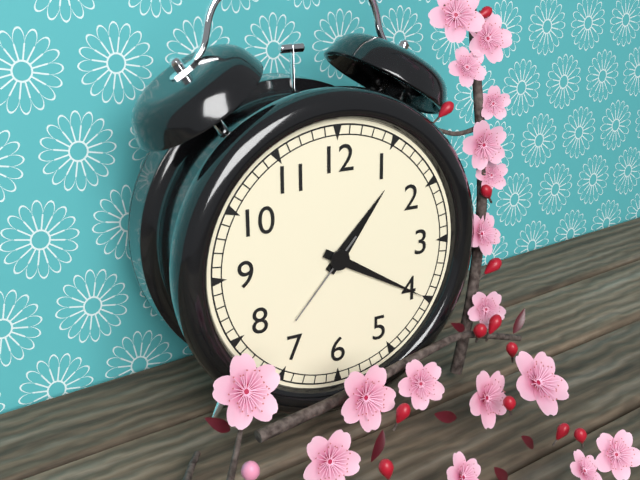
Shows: 1:20:37
